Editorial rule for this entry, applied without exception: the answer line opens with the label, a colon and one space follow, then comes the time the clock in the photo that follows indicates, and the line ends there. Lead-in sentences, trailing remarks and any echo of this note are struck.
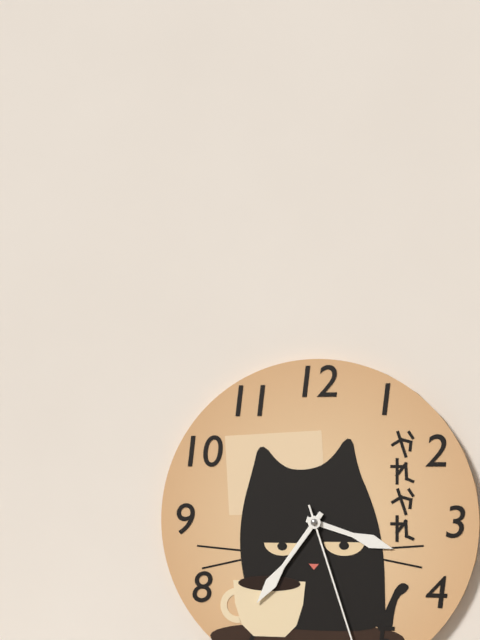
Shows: 3:36
